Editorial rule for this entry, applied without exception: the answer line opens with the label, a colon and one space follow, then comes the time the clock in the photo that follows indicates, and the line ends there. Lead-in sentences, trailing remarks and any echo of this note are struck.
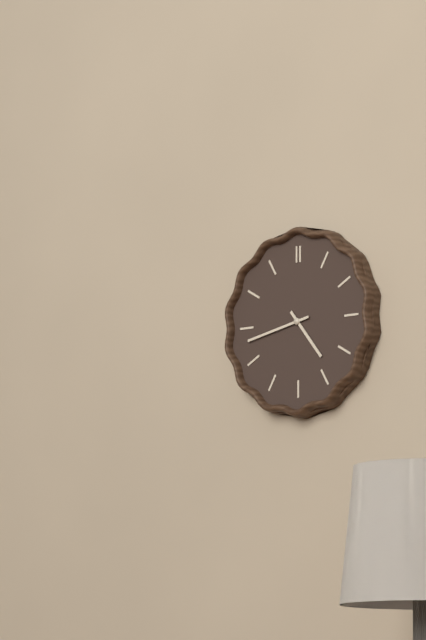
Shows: 4:43
